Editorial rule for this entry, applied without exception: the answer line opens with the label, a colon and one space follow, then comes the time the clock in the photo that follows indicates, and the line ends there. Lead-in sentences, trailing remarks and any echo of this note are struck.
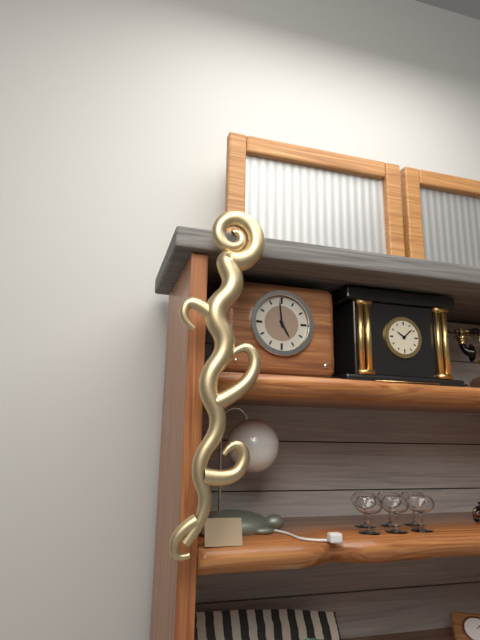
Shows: 4:59
